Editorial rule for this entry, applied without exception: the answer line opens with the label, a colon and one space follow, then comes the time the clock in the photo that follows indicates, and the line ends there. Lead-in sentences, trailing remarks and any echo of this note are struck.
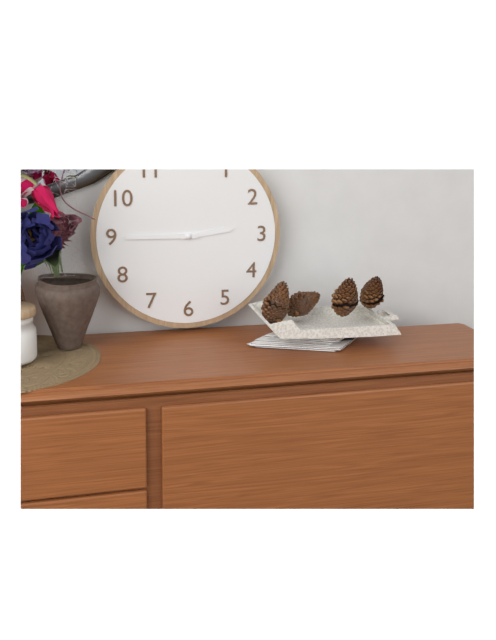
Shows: 2:45
